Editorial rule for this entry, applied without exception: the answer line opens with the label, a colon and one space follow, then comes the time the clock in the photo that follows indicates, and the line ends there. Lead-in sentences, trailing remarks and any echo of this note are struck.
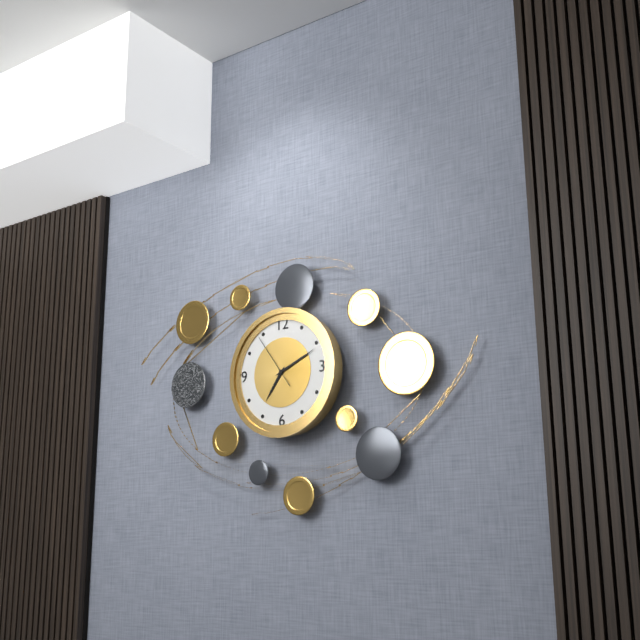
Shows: 7:11:54
